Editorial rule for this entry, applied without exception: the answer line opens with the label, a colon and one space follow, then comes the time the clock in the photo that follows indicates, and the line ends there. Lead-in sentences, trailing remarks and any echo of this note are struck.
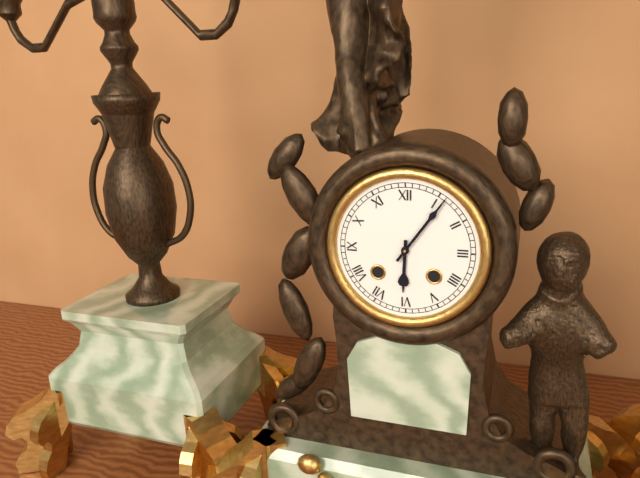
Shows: 6:06
